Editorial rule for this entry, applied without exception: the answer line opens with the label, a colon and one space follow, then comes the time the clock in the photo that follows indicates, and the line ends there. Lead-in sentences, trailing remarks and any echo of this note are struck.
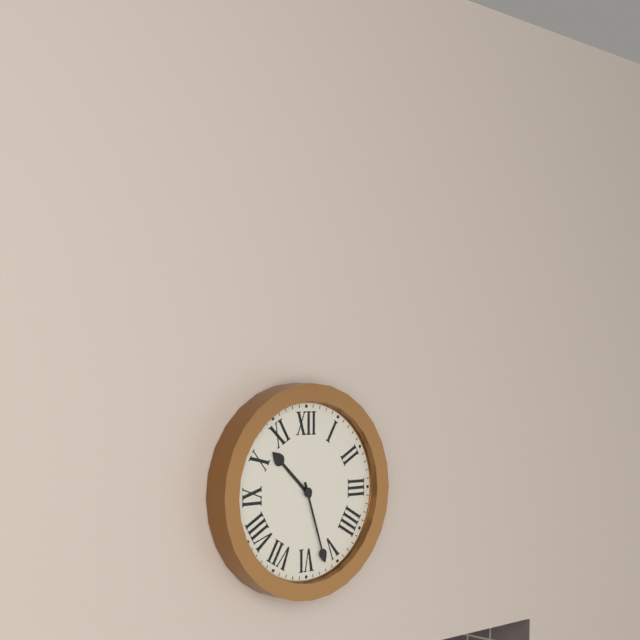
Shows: 10:27
